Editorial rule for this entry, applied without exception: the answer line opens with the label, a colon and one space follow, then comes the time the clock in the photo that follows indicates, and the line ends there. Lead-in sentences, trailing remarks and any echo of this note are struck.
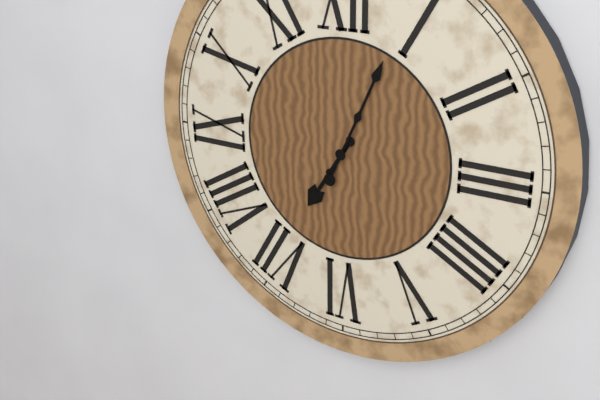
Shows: 7:04
